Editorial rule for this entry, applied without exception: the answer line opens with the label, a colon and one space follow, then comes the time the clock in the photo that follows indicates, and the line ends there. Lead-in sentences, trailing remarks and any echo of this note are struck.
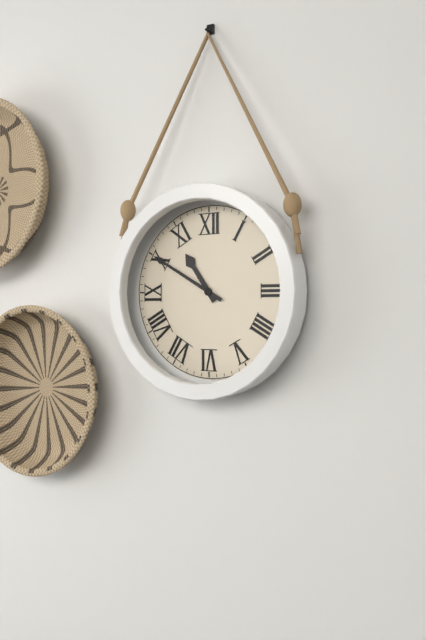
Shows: 10:50
